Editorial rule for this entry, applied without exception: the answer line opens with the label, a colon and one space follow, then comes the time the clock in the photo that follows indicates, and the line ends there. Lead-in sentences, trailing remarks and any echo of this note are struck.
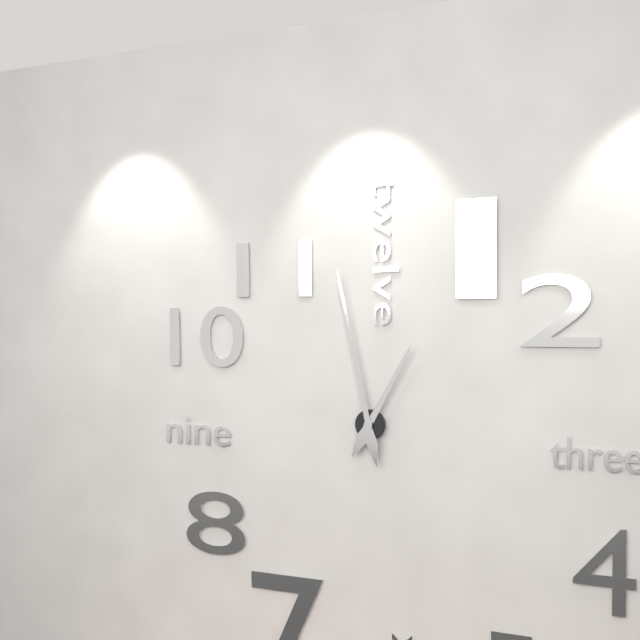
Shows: 12:58
